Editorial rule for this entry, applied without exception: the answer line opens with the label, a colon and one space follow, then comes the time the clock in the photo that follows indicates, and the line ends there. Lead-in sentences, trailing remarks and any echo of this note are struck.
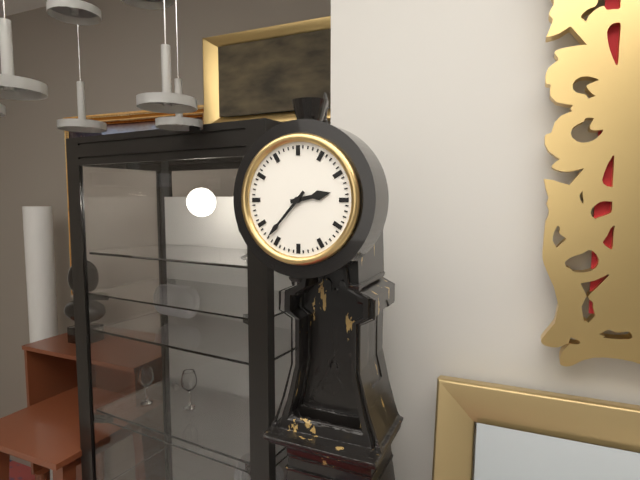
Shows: 2:37
